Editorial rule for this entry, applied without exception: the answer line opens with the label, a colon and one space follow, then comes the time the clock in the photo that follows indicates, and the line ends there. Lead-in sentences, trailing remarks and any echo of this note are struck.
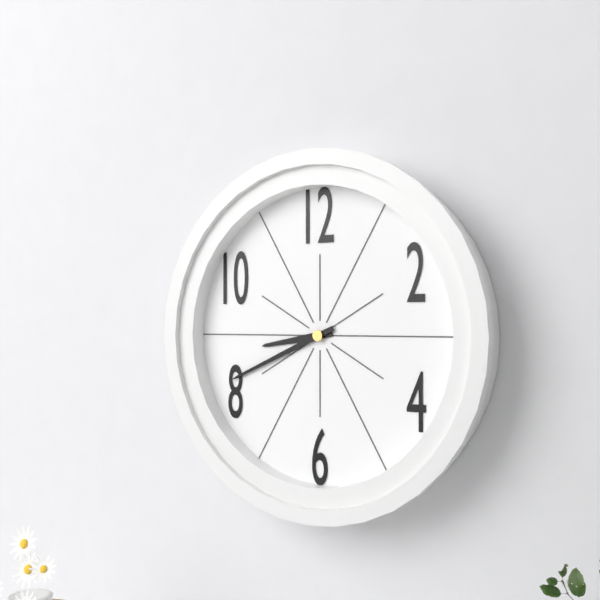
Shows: 8:41
